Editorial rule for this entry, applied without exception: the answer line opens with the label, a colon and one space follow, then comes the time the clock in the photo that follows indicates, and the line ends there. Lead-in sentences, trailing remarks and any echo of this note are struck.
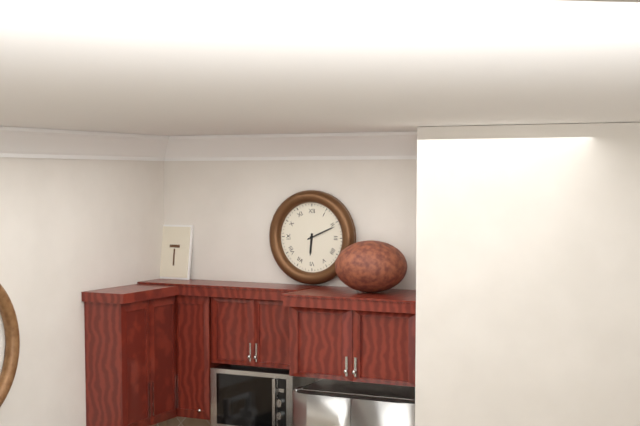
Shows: 6:11
